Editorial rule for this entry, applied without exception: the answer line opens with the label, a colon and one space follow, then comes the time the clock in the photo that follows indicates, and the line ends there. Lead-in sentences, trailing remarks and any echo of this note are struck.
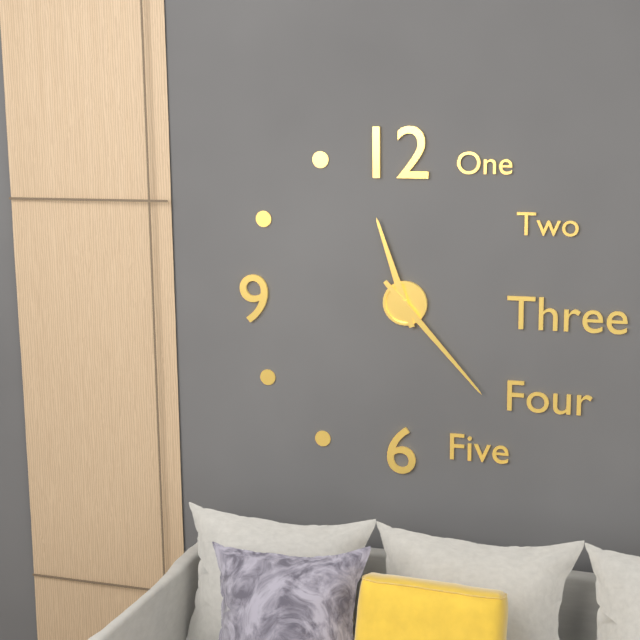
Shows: 11:23
